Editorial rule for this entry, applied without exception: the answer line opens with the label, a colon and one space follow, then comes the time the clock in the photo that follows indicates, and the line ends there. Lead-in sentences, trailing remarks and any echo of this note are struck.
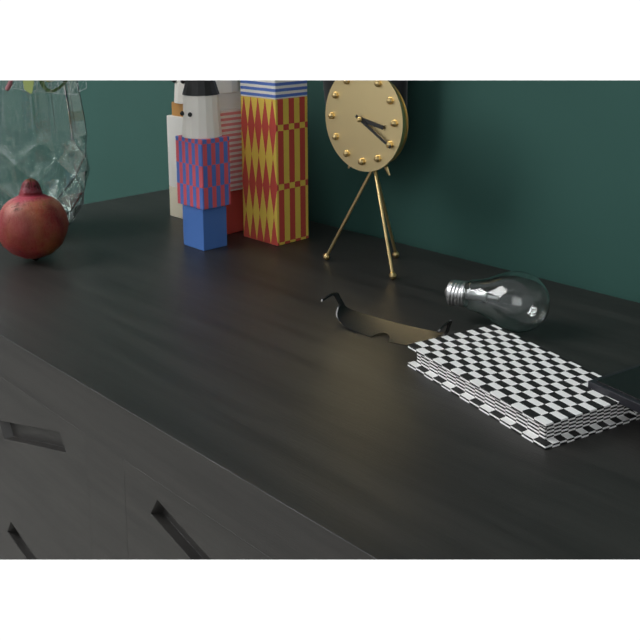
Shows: 3:20
